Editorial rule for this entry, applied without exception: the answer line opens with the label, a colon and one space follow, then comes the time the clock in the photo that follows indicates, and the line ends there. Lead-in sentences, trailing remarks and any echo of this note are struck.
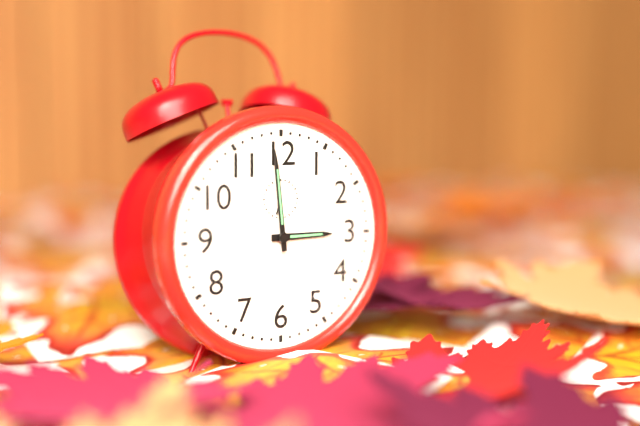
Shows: 2:59
